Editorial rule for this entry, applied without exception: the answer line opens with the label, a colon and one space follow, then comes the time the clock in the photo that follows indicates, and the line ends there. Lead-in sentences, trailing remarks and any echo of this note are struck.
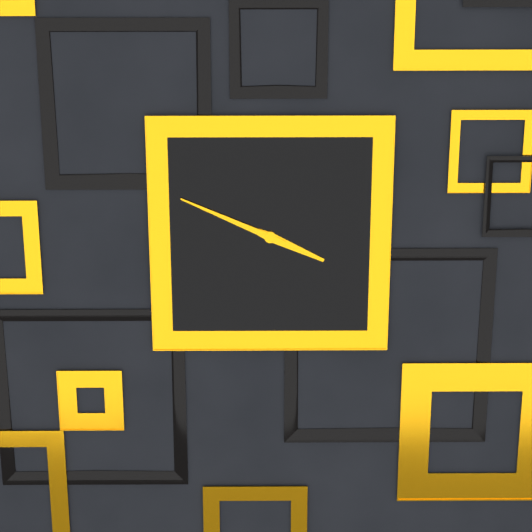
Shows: 3:49
